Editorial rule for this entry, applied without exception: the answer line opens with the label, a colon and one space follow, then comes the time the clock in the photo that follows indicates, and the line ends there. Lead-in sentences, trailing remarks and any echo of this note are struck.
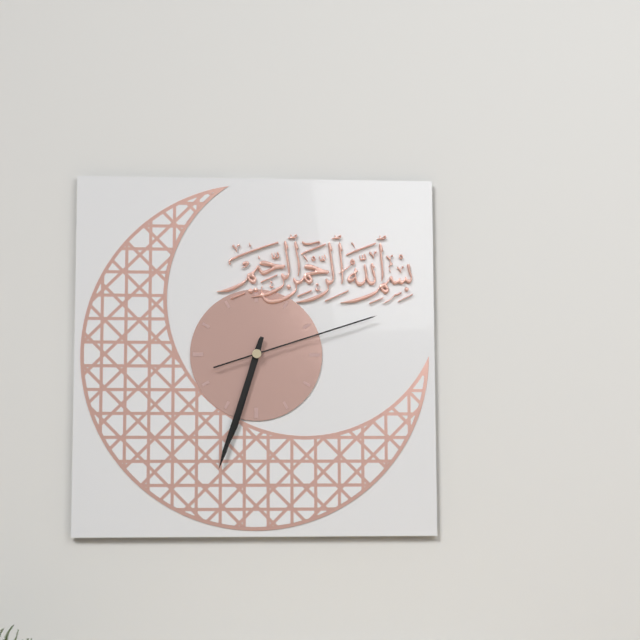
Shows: 6:33:12
